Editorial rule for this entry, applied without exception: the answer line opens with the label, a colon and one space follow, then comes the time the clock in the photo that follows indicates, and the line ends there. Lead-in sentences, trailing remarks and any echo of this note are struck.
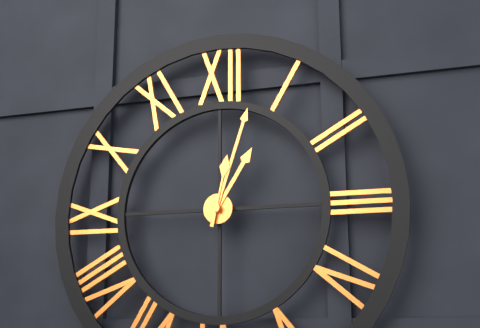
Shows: 1:03:02
